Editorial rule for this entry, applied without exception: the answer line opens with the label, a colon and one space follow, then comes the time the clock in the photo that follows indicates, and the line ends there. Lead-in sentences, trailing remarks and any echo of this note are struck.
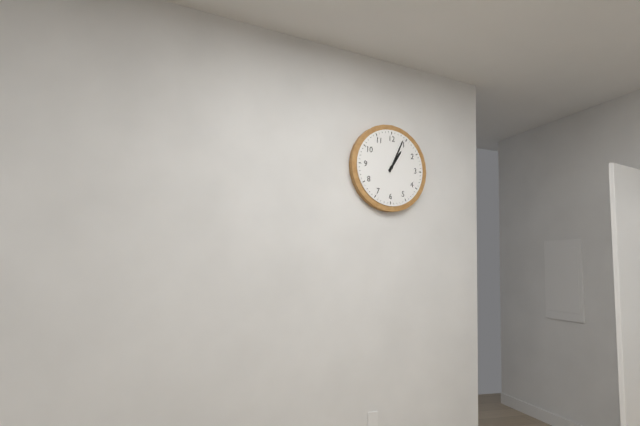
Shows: 1:04
